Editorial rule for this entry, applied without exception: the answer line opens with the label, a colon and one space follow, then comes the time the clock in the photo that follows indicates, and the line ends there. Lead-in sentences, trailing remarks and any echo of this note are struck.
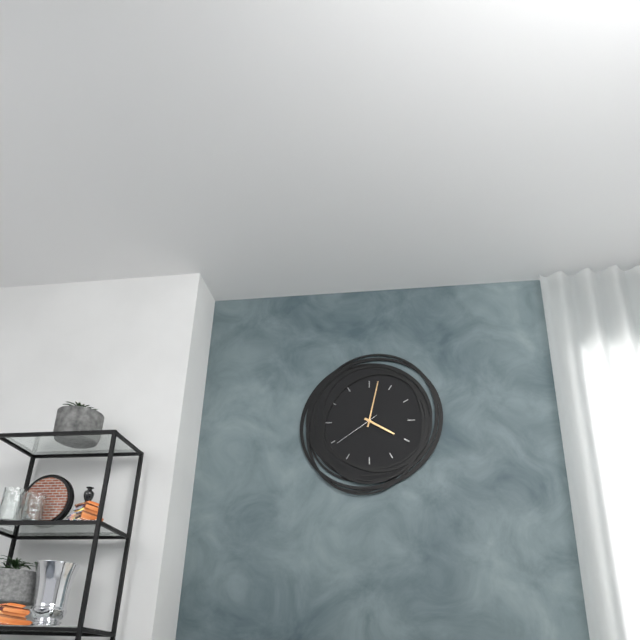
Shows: 4:02
